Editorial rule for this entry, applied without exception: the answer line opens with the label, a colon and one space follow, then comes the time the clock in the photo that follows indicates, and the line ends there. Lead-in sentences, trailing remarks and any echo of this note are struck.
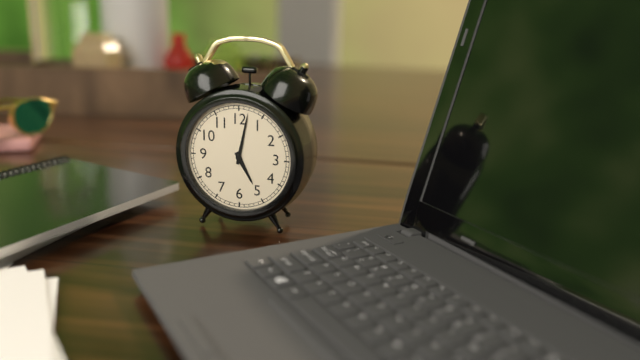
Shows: 5:02
